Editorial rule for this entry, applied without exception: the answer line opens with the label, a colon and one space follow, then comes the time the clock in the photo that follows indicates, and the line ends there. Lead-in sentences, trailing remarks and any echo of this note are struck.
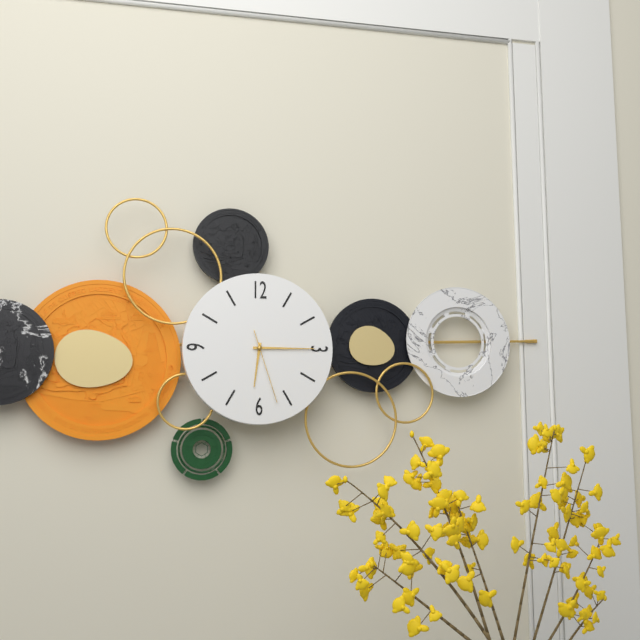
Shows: 6:15:27
